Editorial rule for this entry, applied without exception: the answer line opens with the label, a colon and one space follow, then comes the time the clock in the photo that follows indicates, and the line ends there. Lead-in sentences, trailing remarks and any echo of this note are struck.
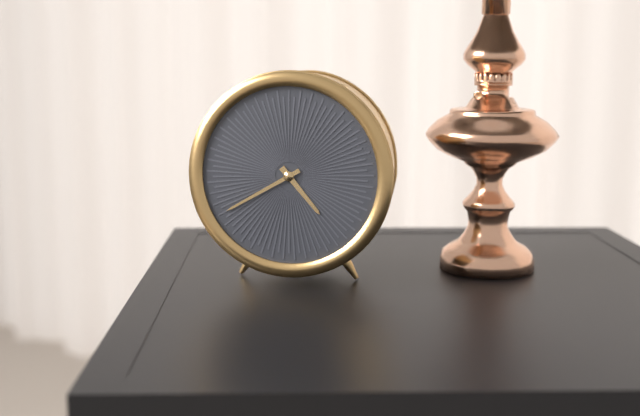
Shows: 4:40
